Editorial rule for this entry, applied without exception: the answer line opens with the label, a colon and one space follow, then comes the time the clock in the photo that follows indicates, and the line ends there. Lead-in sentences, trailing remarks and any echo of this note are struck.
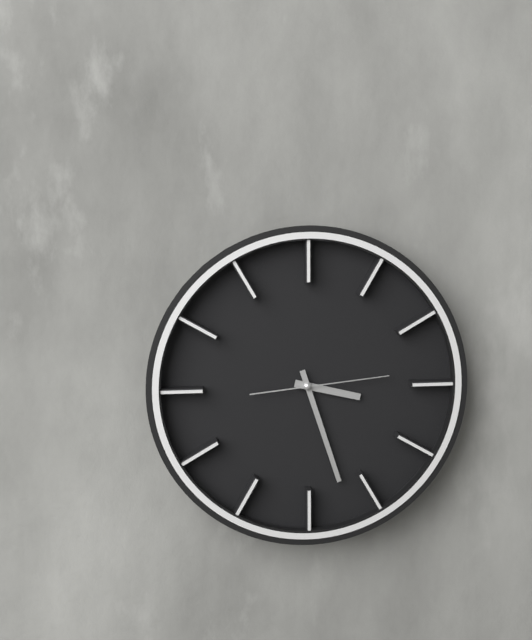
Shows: 3:27:14
